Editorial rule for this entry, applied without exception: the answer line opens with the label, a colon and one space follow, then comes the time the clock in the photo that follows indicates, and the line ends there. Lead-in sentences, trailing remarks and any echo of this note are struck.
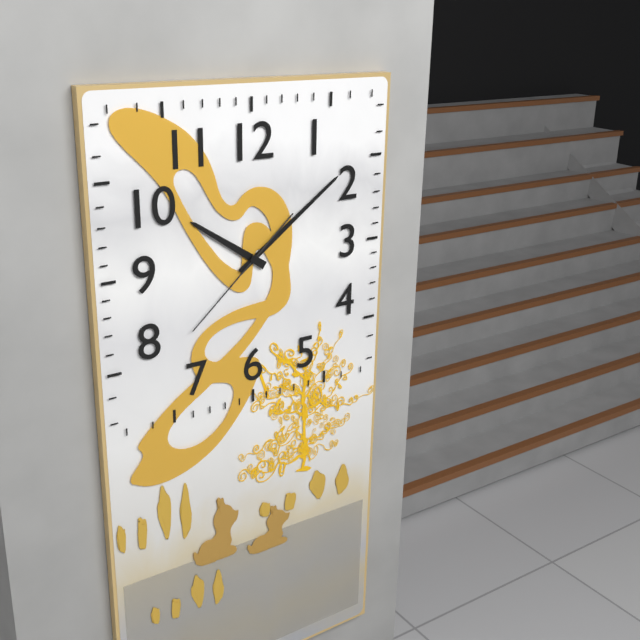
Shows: 10:09:38
